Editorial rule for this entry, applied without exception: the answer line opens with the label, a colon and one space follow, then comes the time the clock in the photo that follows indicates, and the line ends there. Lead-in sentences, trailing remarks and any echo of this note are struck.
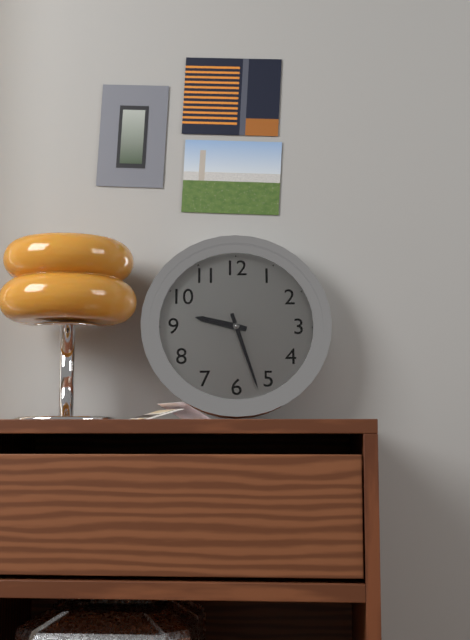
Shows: 9:27
